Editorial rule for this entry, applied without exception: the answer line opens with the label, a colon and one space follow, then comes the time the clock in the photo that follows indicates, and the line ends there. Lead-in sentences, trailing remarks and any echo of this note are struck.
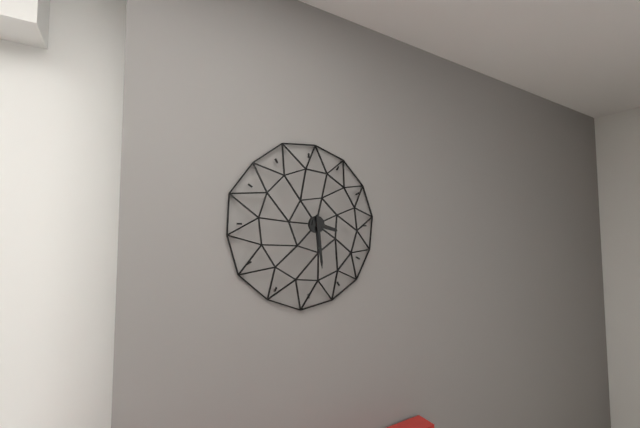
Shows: 3:29
